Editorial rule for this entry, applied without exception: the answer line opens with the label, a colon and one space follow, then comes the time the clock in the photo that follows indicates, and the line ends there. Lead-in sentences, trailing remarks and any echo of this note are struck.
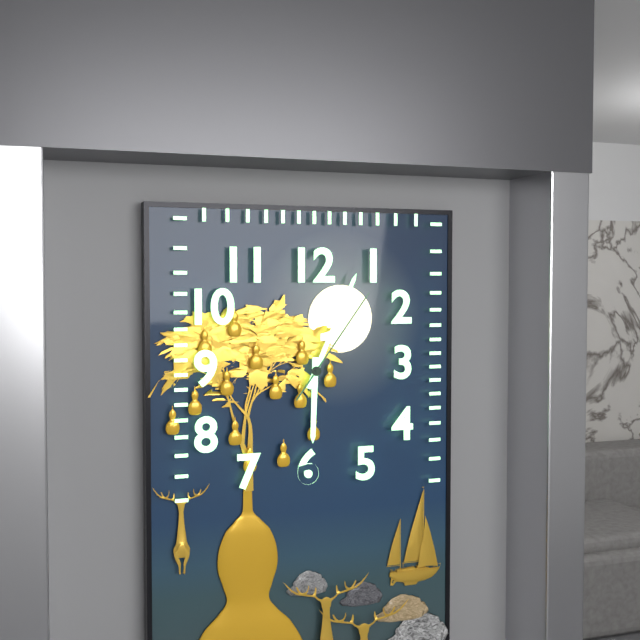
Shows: 6:04:06
